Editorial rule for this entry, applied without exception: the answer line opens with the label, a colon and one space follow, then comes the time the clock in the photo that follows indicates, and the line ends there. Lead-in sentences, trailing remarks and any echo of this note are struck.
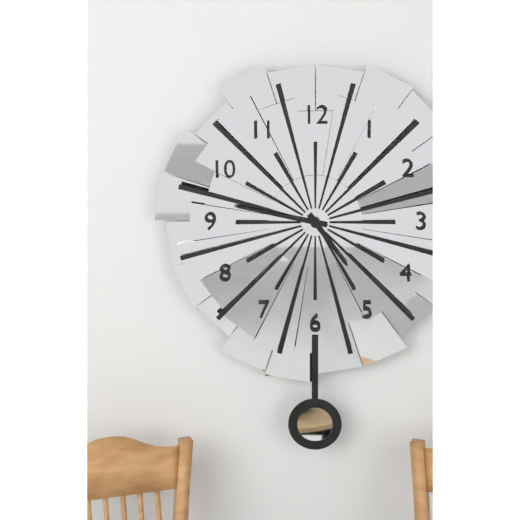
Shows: 4:47
